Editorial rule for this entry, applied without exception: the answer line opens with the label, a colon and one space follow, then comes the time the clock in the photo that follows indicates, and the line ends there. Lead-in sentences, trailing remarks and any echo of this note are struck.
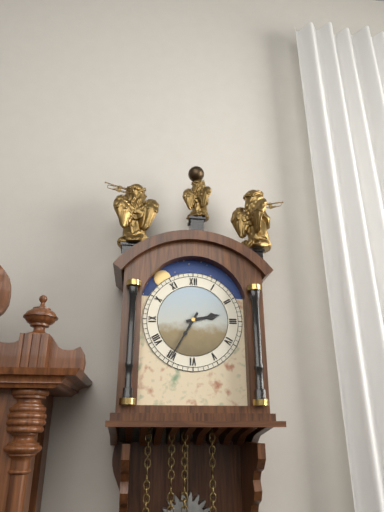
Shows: 2:35
